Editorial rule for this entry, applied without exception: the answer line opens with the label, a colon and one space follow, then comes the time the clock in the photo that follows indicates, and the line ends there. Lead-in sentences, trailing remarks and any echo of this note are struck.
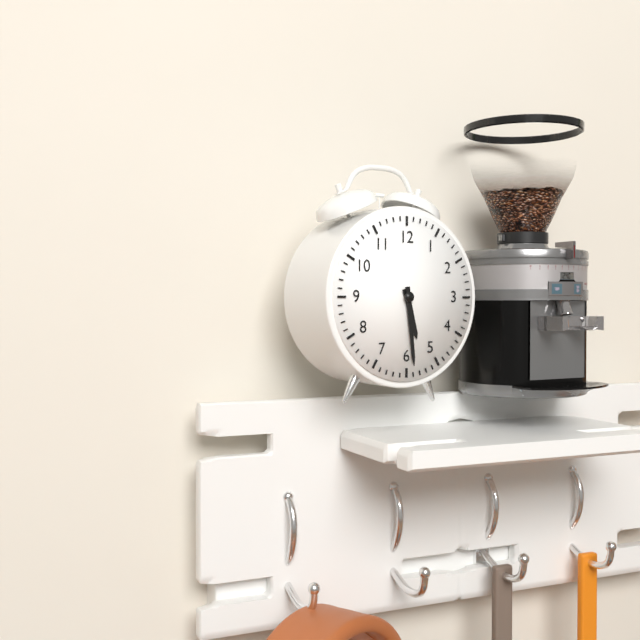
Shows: 5:29
